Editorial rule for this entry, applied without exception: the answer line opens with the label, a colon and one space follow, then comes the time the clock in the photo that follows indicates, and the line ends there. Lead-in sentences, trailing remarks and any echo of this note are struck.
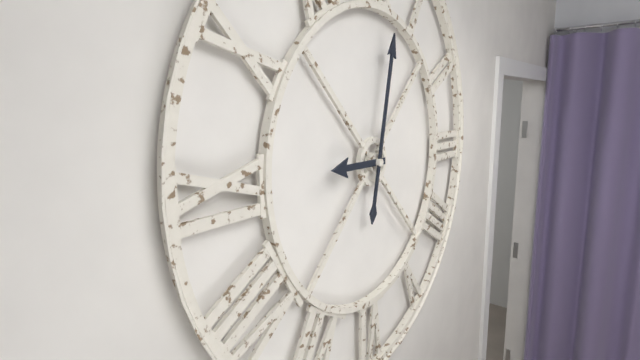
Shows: 9:02
